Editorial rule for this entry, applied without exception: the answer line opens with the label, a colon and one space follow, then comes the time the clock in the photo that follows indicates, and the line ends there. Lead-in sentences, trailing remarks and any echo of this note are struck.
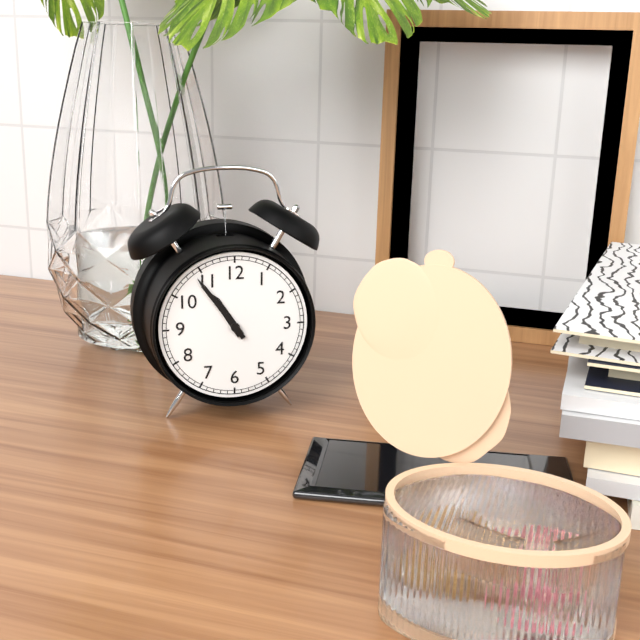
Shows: 10:54
